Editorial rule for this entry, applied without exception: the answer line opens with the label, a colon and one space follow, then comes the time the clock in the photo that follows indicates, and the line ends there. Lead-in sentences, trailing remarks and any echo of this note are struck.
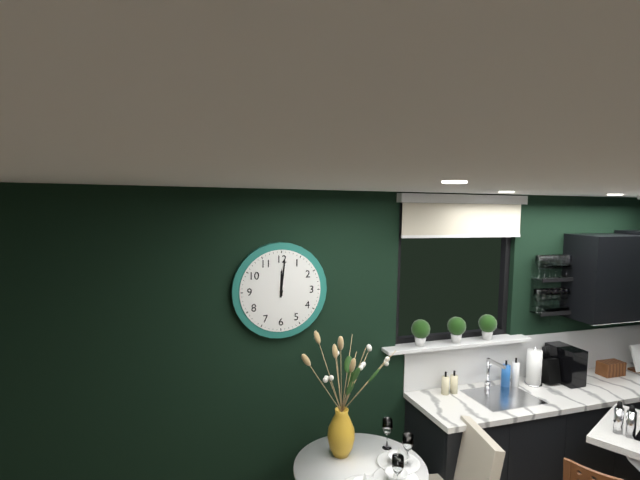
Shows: 12:01
